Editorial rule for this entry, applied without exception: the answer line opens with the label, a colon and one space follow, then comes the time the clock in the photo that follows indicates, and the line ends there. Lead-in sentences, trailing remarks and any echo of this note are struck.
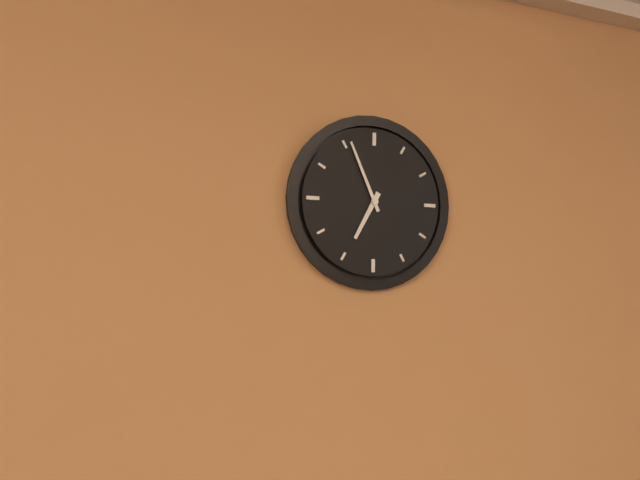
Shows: 6:56
